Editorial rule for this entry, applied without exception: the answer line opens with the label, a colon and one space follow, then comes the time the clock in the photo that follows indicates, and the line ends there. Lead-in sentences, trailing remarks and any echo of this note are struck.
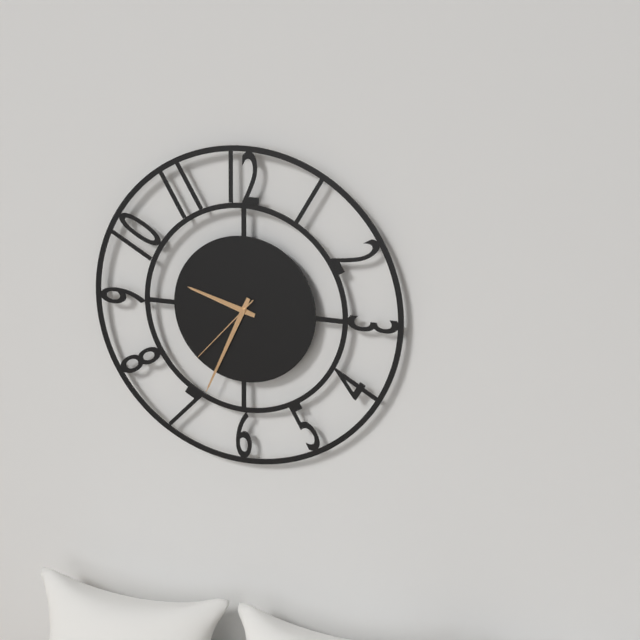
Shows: 9:34:37
